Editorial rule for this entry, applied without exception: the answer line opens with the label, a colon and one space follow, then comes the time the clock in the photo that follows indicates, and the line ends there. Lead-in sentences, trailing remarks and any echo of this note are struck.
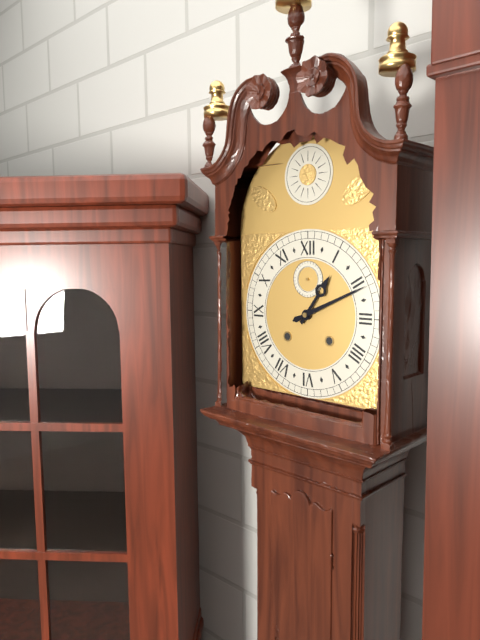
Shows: 1:11
